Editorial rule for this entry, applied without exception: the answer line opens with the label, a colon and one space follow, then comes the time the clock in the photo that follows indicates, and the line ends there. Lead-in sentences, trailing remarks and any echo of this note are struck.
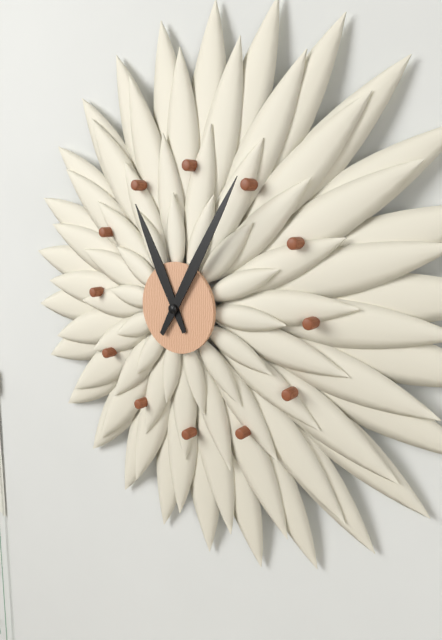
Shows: 11:05
